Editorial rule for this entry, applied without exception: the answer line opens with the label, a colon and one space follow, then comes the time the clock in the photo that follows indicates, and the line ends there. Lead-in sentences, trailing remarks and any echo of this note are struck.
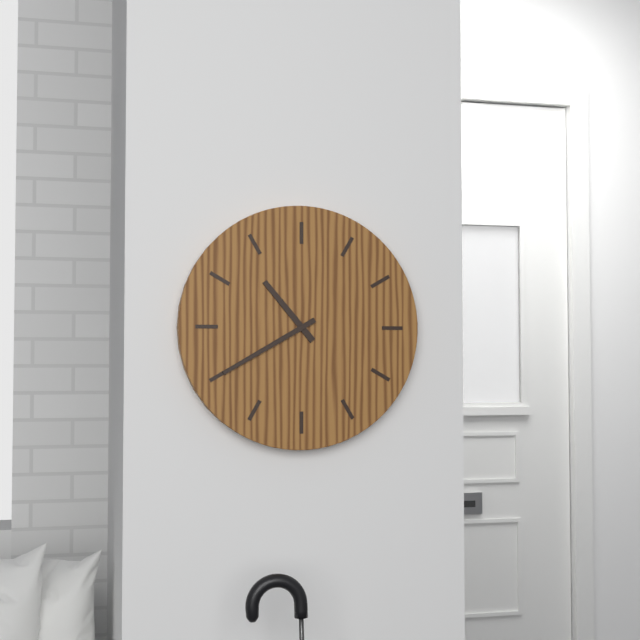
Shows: 10:40
